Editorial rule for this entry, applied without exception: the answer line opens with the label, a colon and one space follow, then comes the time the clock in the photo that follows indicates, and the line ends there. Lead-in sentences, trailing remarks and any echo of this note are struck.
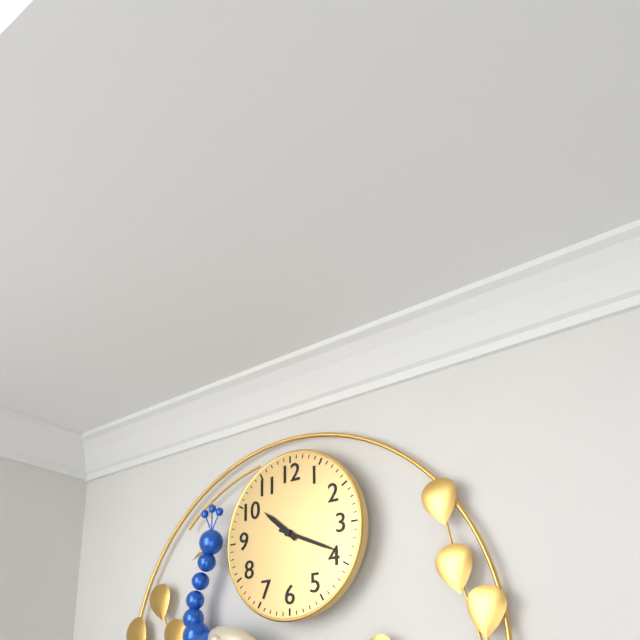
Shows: 10:19
